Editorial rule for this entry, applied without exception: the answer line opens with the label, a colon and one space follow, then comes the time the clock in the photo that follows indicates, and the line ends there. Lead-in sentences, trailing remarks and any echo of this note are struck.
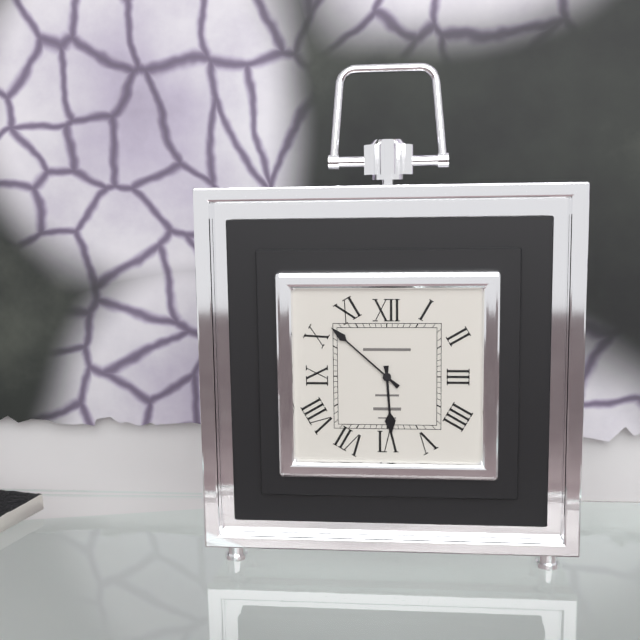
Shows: 5:52
